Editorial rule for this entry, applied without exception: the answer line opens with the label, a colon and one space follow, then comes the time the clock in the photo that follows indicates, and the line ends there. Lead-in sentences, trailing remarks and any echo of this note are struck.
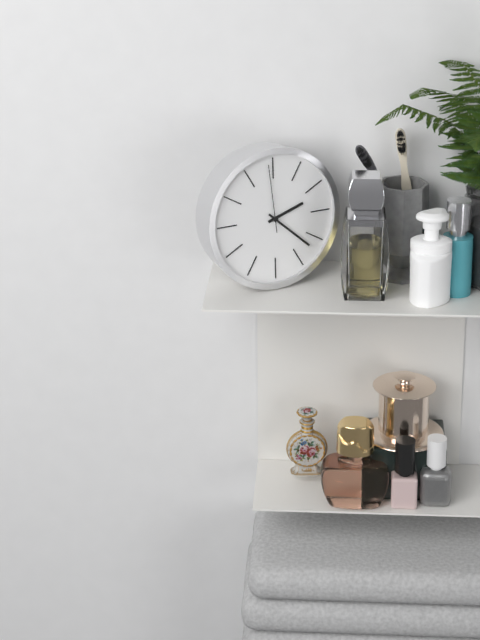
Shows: 2:22:59
